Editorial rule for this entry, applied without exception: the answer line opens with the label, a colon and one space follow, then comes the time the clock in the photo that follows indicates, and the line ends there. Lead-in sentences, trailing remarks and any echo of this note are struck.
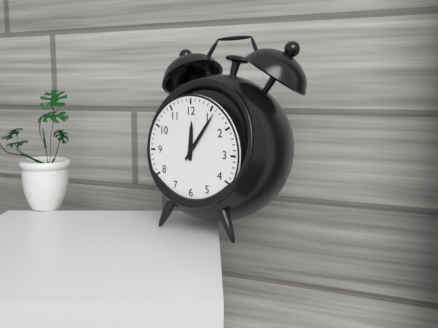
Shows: 12:06
